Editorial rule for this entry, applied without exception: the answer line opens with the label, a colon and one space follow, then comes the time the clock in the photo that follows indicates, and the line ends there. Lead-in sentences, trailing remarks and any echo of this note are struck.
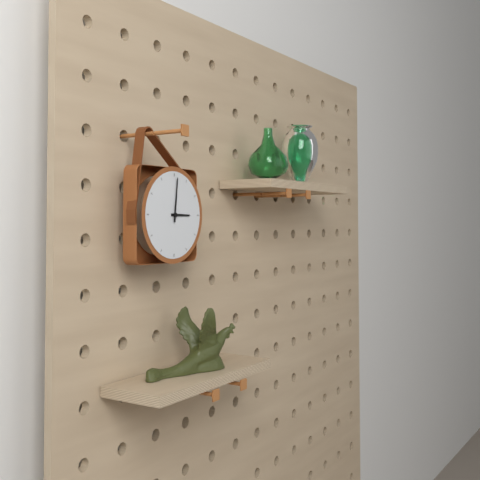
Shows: 3:01
